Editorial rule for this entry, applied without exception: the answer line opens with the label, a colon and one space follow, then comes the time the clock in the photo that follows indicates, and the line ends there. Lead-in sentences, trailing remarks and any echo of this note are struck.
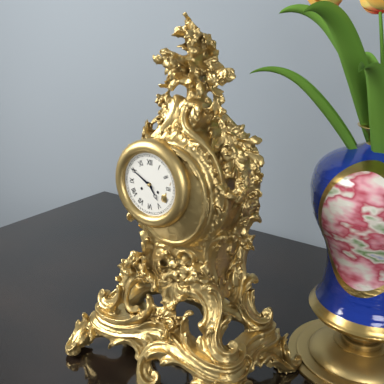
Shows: 4:50
